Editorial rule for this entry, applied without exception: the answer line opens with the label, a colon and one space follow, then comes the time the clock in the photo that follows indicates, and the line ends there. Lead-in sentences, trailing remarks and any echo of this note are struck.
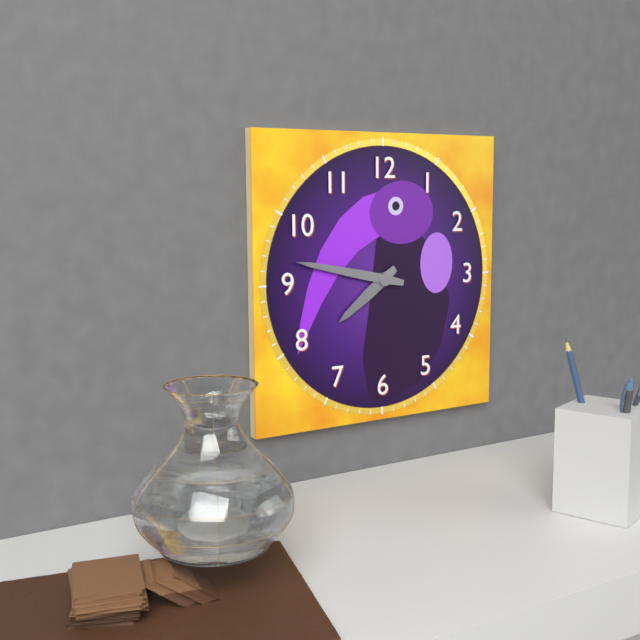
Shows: 7:47
